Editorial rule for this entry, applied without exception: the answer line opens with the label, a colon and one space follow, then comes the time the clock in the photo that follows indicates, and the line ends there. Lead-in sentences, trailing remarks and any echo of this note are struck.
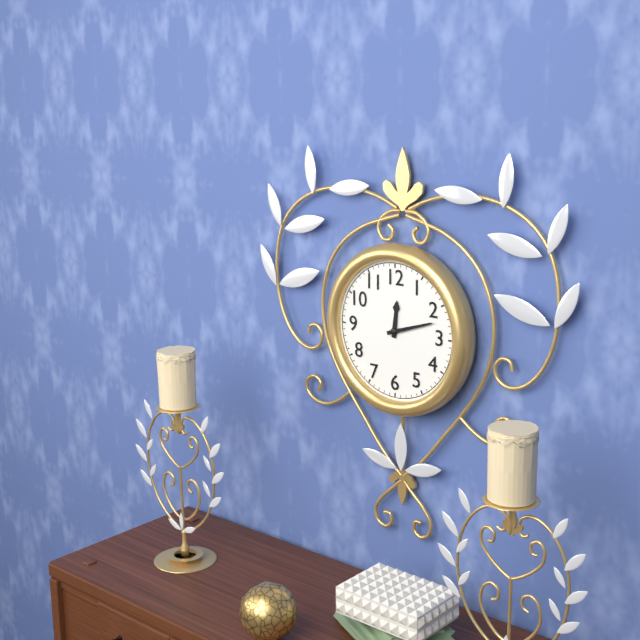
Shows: 12:12
